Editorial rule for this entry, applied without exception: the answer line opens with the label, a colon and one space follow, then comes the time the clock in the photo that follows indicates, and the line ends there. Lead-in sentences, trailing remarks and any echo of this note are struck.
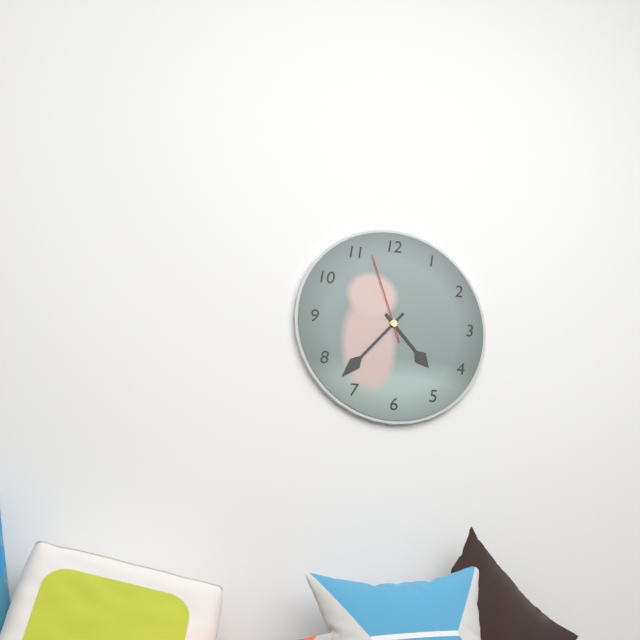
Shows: 4:37:57
